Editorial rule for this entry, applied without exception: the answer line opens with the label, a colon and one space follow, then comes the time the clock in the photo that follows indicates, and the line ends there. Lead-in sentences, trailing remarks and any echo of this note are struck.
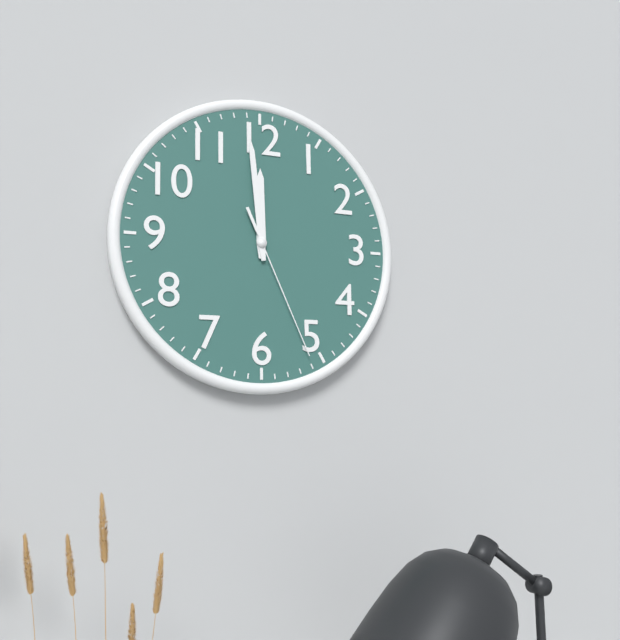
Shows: 11:59:26
